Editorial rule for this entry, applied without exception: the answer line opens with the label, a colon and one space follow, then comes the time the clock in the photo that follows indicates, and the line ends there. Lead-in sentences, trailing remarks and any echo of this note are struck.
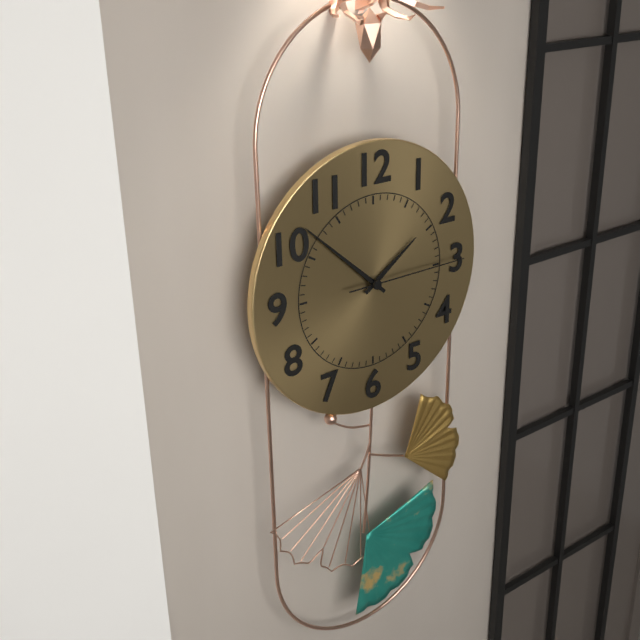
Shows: 1:52:15
